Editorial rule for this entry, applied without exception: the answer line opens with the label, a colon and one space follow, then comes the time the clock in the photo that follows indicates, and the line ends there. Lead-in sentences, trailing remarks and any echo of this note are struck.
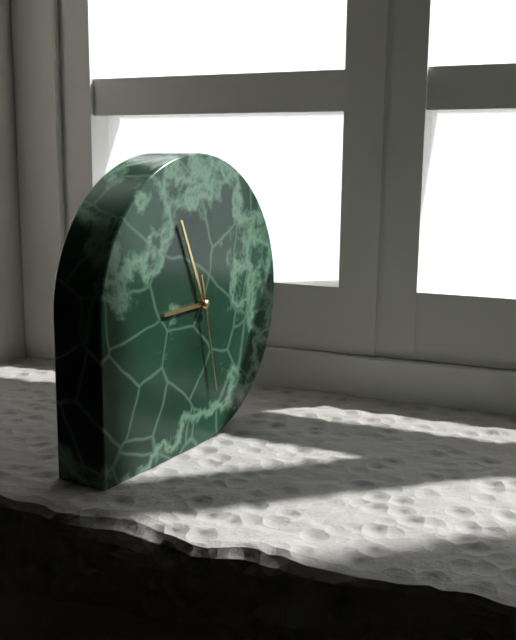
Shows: 8:56:28
